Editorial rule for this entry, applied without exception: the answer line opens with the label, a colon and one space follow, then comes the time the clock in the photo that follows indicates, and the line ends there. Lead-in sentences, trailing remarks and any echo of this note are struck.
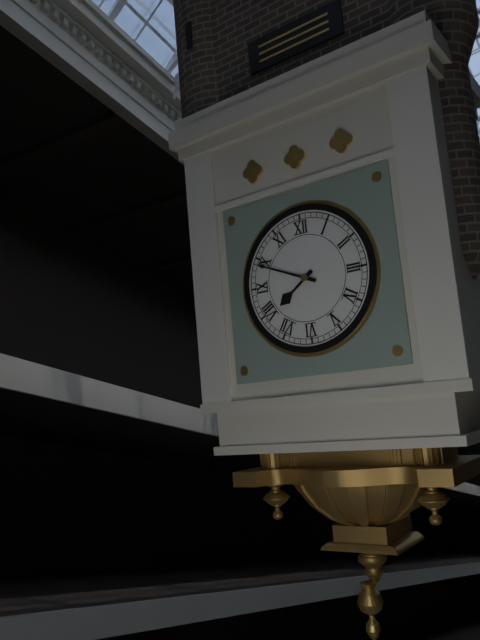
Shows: 7:49
